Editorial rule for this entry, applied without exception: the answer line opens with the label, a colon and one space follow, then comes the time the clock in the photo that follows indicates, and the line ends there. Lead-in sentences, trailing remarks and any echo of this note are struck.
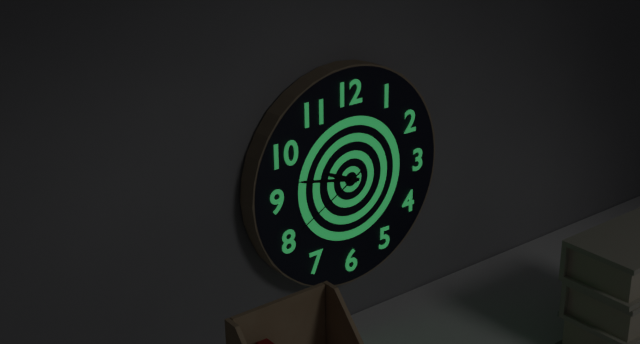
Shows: 9:47:40
